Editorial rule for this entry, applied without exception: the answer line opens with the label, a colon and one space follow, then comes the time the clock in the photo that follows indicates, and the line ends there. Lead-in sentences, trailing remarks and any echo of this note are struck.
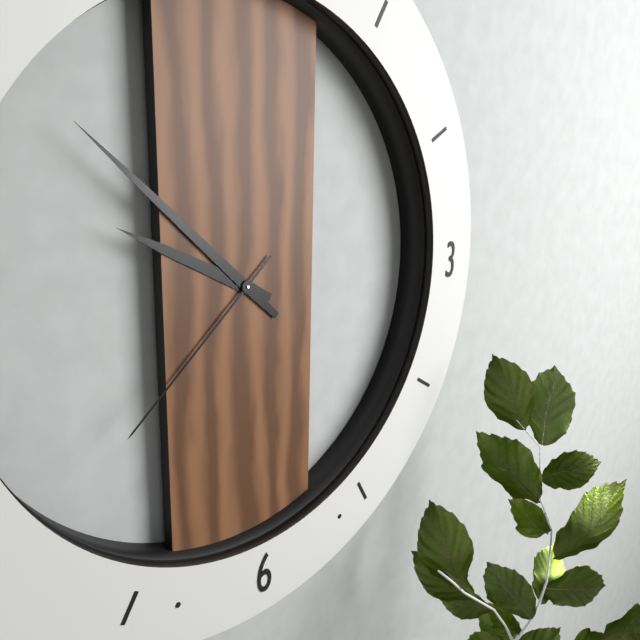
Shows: 9:52:38
